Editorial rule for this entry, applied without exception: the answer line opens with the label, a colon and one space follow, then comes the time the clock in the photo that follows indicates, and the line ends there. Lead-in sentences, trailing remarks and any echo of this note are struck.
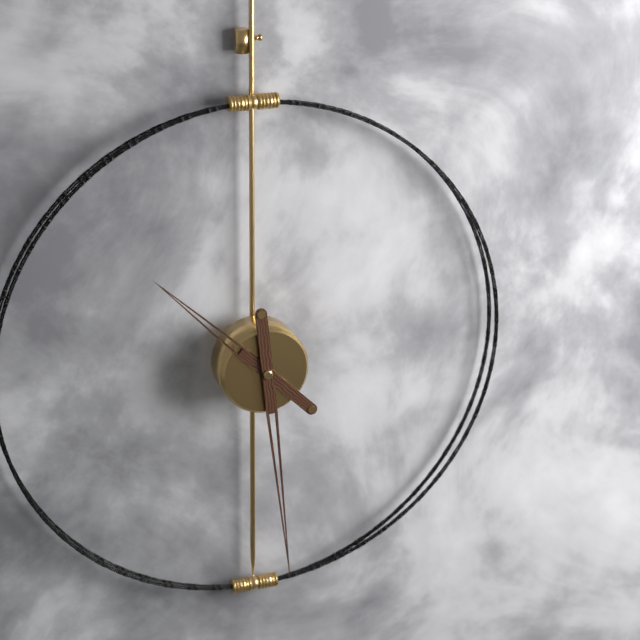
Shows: 10:29
